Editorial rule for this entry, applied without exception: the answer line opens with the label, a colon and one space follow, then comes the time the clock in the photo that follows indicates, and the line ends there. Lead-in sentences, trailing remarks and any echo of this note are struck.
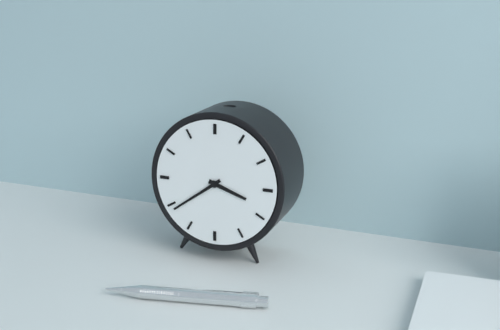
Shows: 3:39
